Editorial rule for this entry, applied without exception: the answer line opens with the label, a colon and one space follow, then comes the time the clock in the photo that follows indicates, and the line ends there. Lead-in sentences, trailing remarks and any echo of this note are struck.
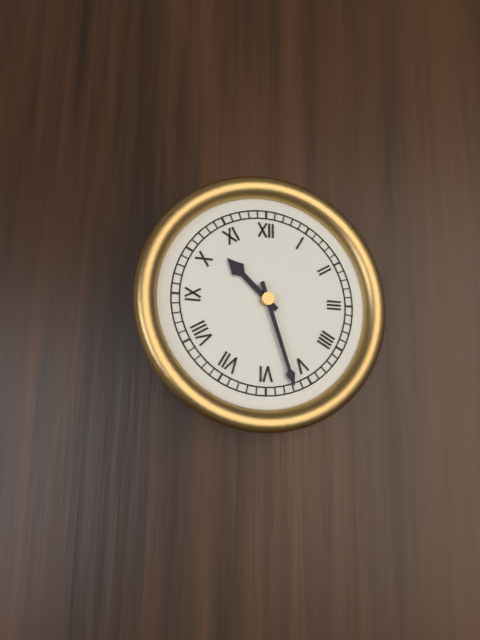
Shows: 10:27
